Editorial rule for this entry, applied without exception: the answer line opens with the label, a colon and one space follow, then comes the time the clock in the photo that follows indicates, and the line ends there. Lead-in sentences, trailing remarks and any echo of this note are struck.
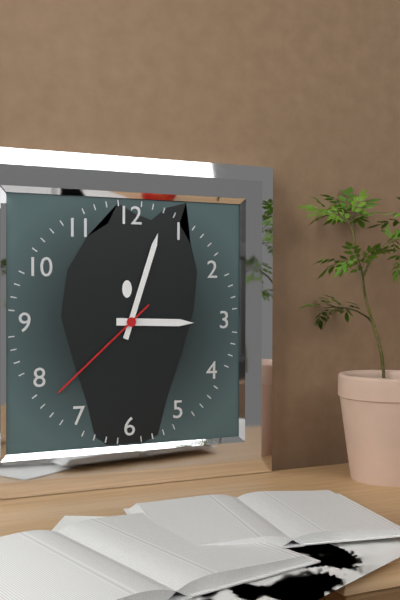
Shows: 3:03:38
